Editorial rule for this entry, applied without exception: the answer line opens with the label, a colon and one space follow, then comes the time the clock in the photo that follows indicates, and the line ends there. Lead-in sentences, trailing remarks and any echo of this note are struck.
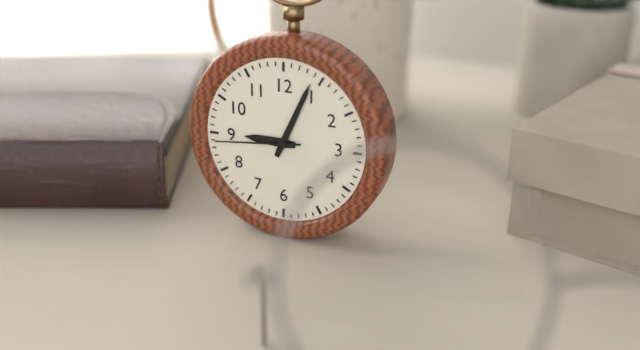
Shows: 9:04:44
